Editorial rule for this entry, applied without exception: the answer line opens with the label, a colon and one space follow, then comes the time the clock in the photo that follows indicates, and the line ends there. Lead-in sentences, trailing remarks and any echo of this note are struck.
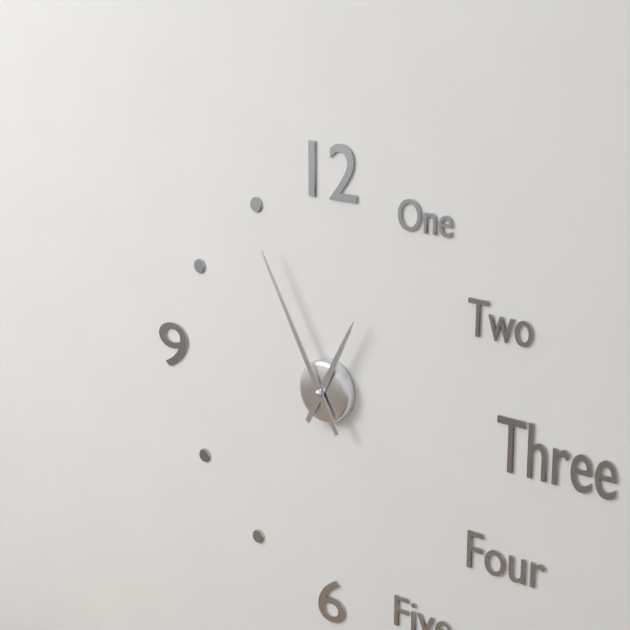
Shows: 12:55
